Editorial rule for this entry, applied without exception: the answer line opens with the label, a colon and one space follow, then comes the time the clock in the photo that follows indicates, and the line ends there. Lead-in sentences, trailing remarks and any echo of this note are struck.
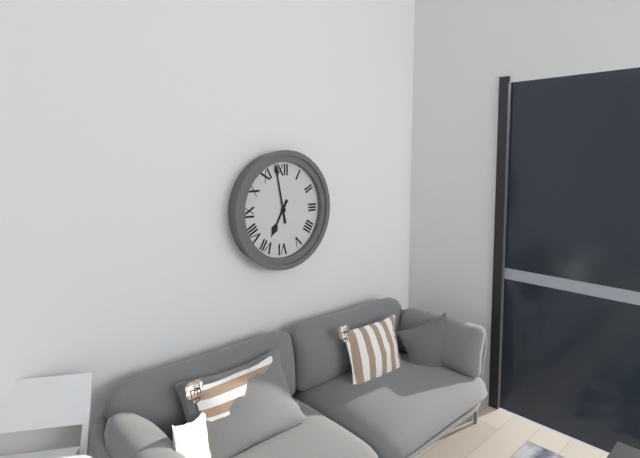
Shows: 6:58
